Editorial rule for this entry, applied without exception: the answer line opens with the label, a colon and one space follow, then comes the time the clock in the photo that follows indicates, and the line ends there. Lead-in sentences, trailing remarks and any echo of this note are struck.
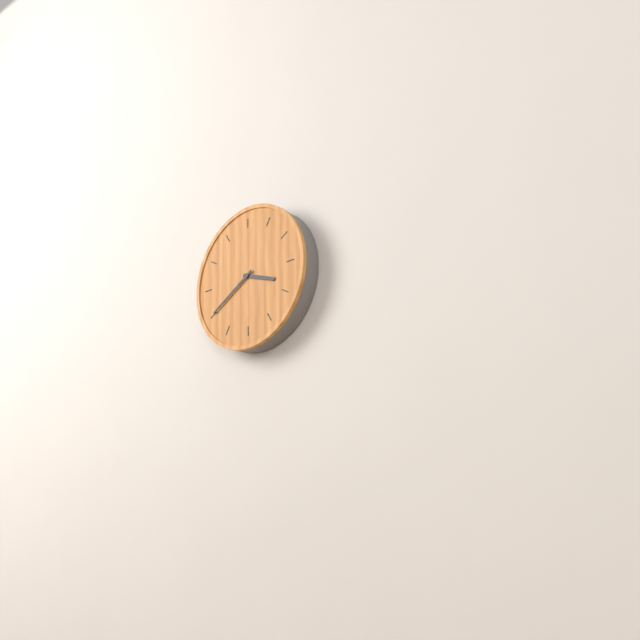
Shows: 3:40
